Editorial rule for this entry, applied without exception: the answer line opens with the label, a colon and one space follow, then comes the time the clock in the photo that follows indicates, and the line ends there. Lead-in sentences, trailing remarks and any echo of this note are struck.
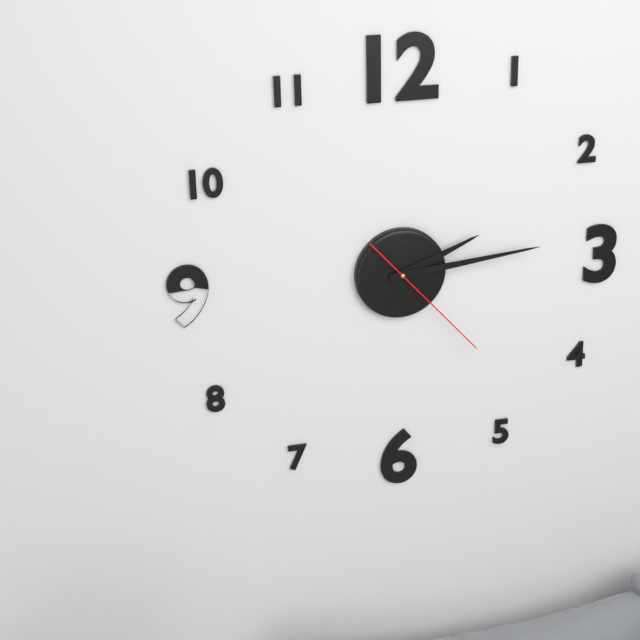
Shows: 2:14:23
